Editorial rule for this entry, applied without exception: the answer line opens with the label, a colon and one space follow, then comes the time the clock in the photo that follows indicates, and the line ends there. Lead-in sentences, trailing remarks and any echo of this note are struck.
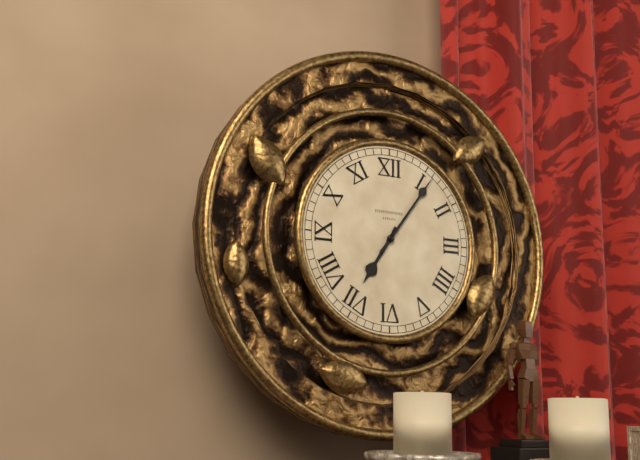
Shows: 7:06
